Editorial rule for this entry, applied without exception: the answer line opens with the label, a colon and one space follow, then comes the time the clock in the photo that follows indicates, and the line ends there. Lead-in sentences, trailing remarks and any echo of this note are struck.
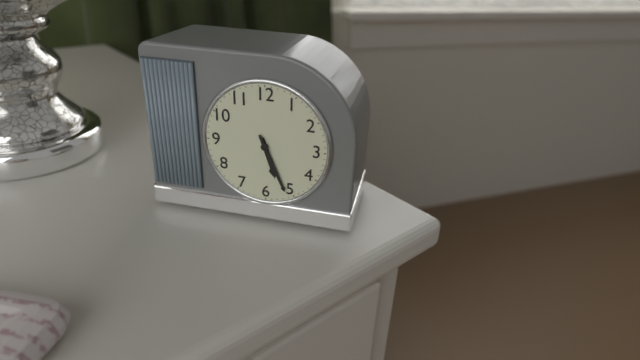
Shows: 5:26
